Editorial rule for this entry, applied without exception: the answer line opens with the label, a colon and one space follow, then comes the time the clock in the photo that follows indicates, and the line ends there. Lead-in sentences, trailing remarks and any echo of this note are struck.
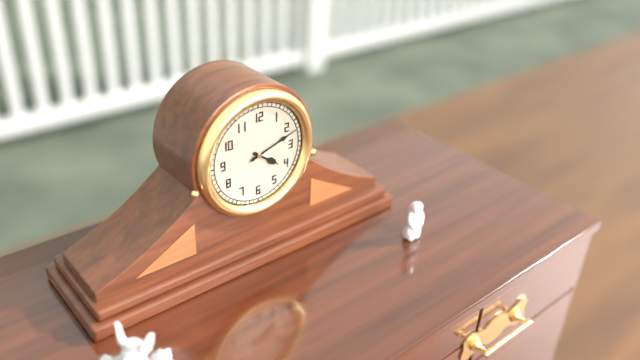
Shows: 4:12
